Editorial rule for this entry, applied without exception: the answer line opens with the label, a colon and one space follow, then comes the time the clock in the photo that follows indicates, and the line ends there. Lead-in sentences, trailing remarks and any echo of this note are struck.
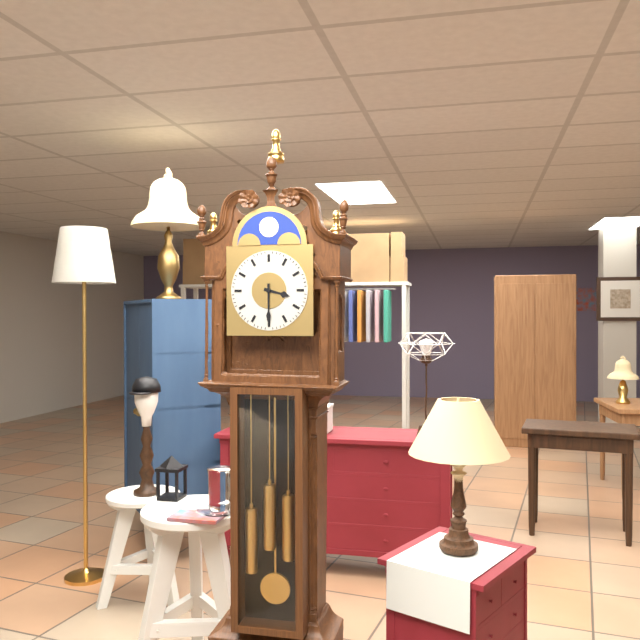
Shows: 3:30
